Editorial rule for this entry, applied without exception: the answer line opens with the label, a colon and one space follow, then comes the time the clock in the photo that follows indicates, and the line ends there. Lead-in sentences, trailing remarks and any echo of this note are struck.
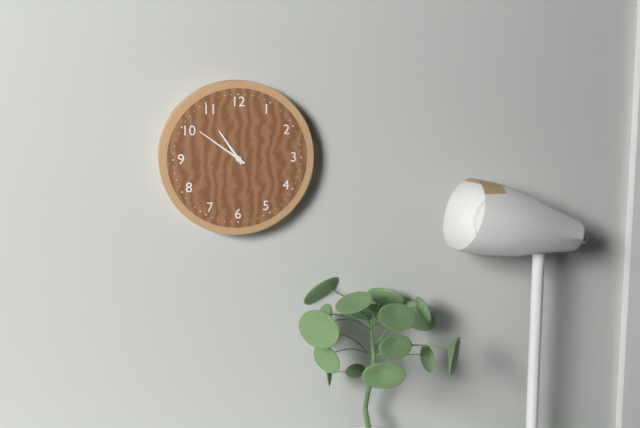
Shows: 10:51
